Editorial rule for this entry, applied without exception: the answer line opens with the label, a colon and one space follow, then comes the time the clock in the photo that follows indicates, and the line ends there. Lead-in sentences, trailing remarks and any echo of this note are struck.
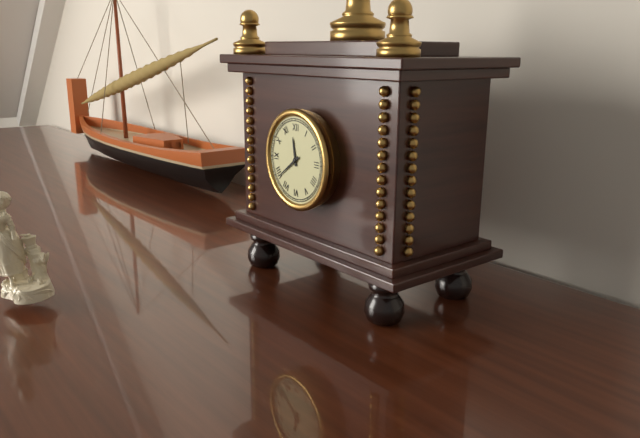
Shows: 11:39
